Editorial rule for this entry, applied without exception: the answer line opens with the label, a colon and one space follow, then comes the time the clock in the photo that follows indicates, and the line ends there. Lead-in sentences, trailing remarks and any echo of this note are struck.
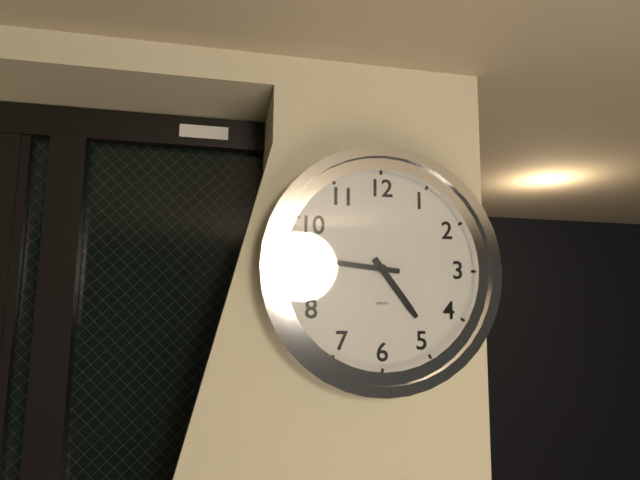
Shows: 4:46
